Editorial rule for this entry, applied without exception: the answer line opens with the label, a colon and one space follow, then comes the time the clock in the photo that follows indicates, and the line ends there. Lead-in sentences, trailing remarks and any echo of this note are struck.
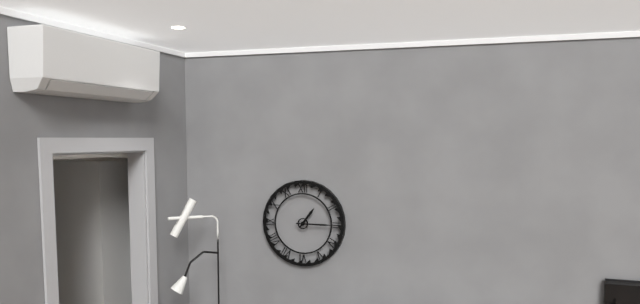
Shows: 1:15
